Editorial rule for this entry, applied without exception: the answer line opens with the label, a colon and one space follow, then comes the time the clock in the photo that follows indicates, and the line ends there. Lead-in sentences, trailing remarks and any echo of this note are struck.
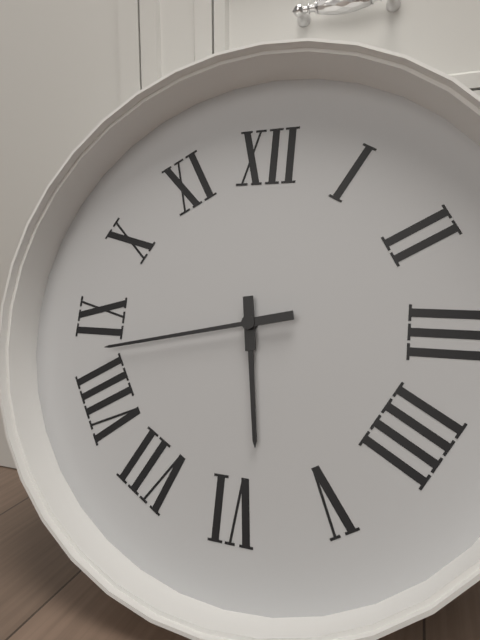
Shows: 5:43
